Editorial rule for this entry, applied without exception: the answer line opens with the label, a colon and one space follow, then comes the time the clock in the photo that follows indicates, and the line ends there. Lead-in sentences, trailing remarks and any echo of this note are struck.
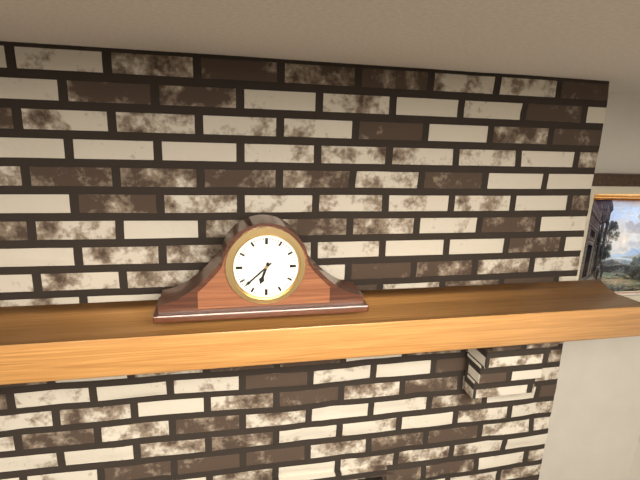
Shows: 6:38
